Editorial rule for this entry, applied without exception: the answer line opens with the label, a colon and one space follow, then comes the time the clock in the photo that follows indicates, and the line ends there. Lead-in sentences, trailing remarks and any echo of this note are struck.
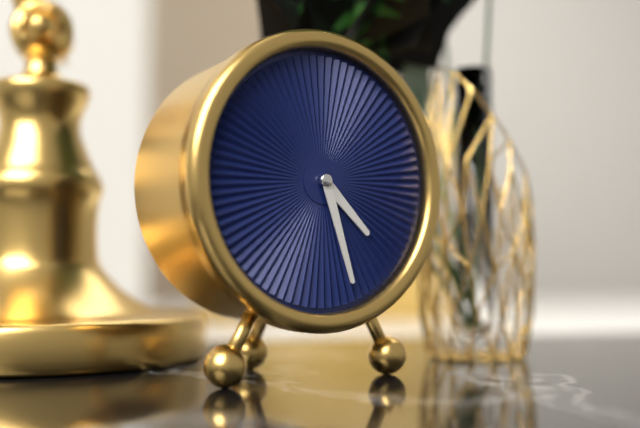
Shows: 4:27
